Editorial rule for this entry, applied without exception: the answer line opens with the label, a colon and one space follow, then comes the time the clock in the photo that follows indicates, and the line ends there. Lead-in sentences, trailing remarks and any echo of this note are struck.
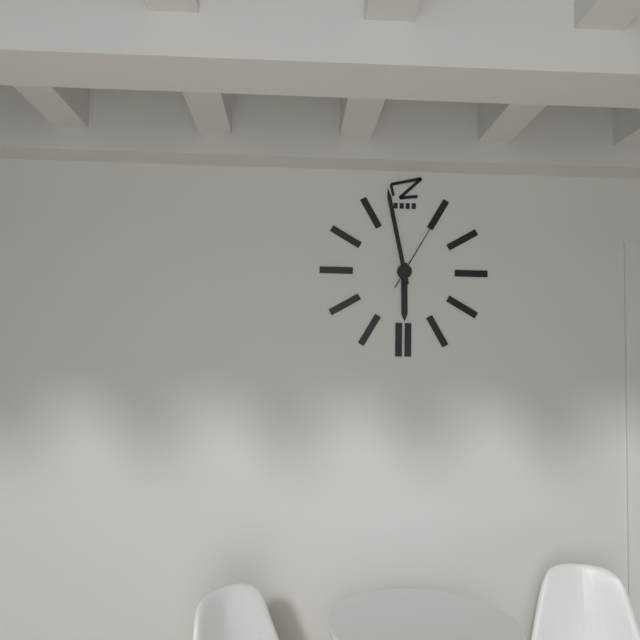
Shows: 5:58:05
